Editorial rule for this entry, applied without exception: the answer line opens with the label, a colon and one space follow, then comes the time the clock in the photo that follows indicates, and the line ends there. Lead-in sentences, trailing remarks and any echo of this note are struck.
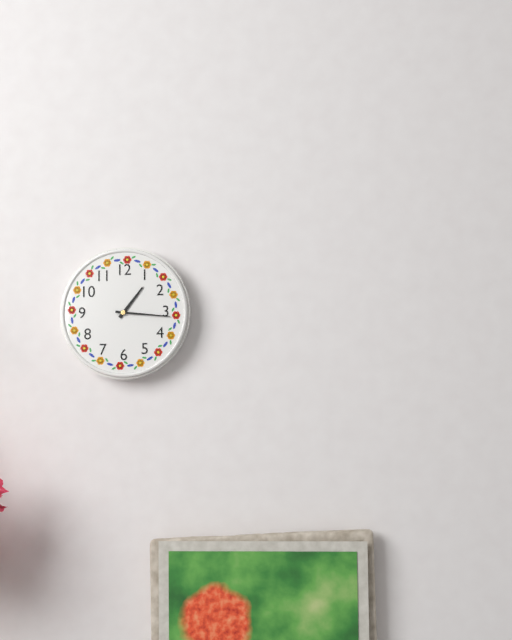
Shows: 1:16
